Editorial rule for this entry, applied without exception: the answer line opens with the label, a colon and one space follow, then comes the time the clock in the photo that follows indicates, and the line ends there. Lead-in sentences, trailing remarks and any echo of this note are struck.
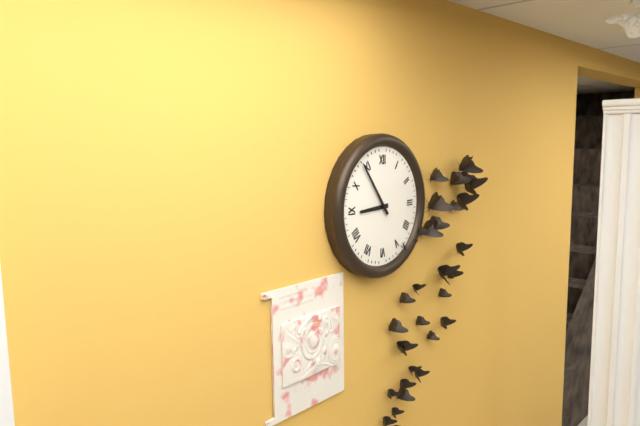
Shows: 8:54
